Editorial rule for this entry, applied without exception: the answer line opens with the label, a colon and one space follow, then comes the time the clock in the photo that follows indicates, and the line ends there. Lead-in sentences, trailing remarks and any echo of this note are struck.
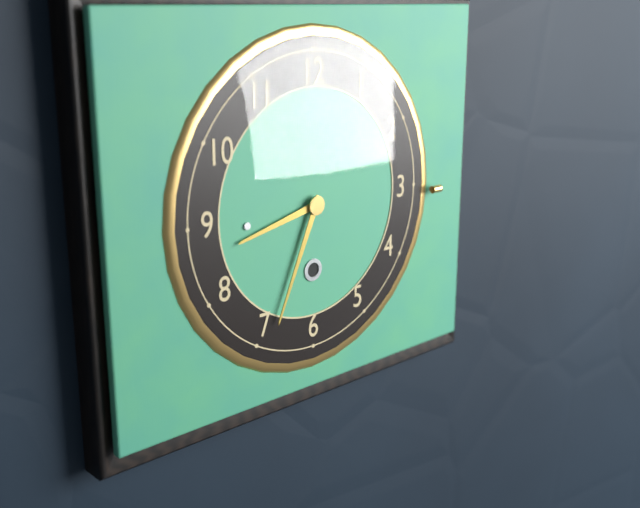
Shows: 8:34
